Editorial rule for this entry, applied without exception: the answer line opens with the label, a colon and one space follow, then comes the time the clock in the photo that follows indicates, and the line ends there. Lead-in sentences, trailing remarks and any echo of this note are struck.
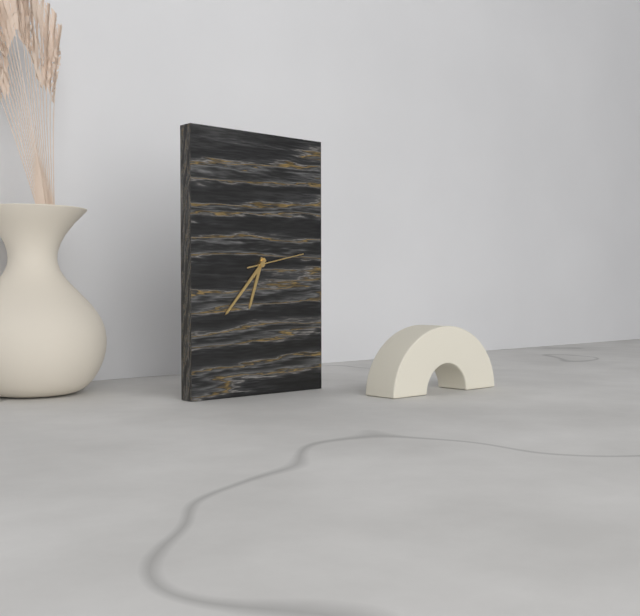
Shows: 6:37:13
